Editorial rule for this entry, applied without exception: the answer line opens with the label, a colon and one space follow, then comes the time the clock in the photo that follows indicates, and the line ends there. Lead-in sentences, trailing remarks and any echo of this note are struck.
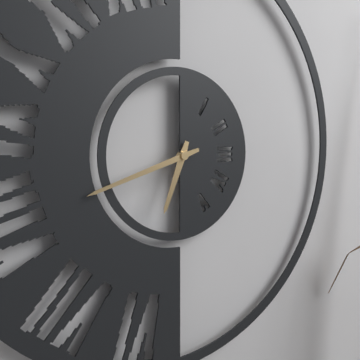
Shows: 6:42
